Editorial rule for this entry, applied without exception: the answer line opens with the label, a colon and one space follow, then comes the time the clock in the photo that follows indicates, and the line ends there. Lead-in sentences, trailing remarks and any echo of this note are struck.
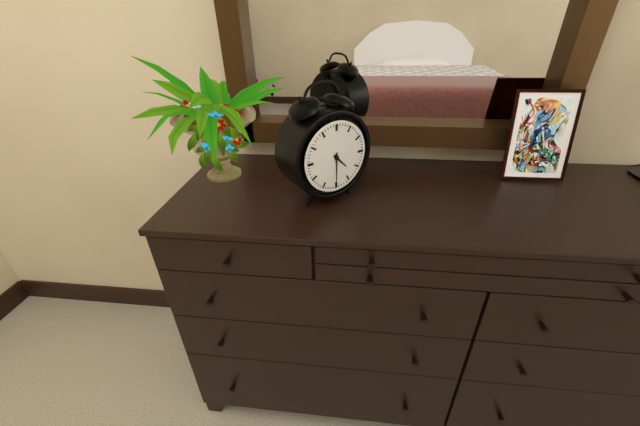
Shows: 4:30
